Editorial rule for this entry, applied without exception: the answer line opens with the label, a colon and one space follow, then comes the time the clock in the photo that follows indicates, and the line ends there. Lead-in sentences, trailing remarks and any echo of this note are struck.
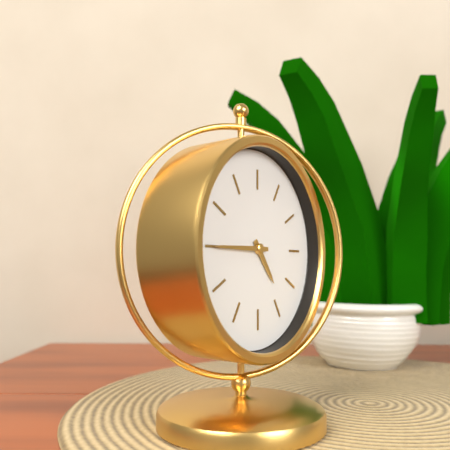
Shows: 4:45
